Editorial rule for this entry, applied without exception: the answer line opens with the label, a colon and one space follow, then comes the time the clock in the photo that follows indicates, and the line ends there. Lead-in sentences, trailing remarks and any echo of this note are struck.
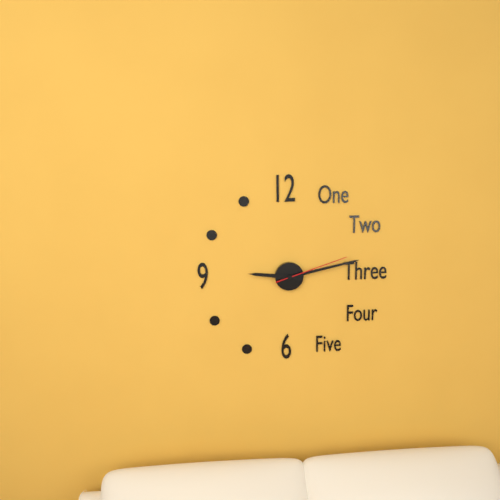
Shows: 9:13:12
